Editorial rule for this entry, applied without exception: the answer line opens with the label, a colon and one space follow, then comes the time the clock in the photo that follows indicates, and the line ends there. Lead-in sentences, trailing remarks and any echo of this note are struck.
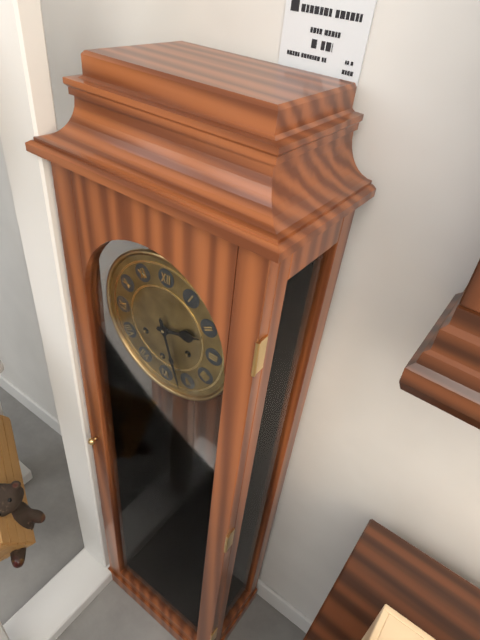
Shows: 2:27
